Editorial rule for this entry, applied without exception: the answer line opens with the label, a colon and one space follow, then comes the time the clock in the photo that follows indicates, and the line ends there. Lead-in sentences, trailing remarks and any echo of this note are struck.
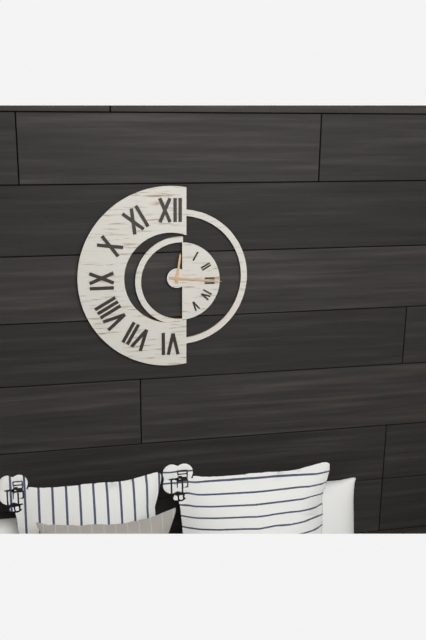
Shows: 12:16
